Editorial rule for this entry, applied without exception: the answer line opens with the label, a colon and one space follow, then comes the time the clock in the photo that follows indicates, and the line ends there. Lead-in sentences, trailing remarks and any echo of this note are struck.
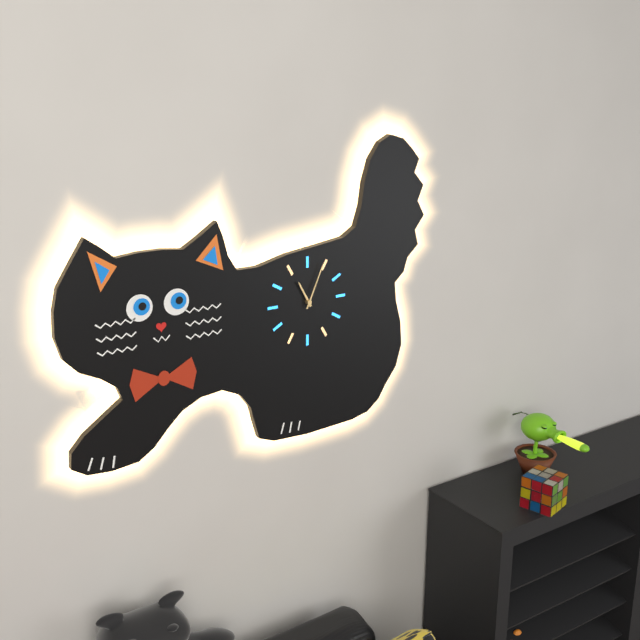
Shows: 11:04
